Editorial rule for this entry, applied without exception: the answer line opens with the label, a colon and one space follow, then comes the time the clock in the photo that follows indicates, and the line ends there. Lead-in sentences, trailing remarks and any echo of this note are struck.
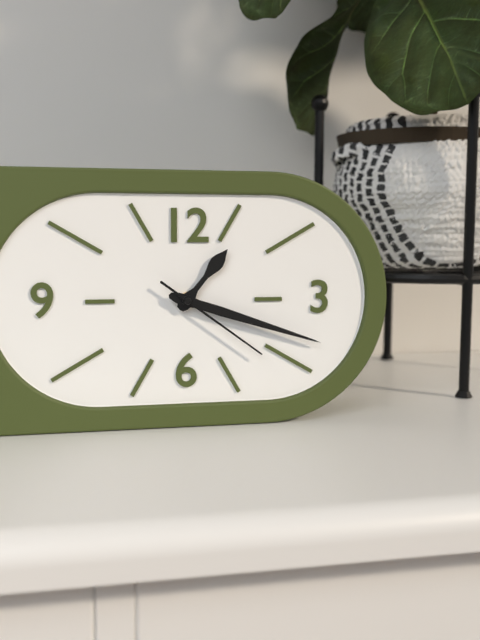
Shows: 1:18:21
